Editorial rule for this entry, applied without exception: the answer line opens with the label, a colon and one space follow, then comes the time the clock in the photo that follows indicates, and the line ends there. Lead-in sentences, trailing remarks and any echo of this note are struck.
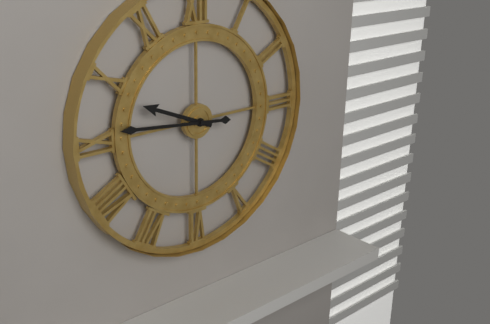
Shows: 9:46
